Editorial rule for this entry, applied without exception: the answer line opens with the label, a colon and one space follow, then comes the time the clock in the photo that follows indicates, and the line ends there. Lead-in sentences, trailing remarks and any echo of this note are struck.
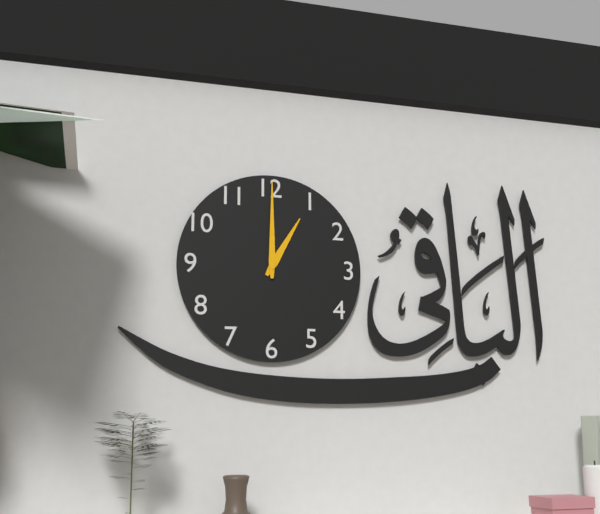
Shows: 1:00
